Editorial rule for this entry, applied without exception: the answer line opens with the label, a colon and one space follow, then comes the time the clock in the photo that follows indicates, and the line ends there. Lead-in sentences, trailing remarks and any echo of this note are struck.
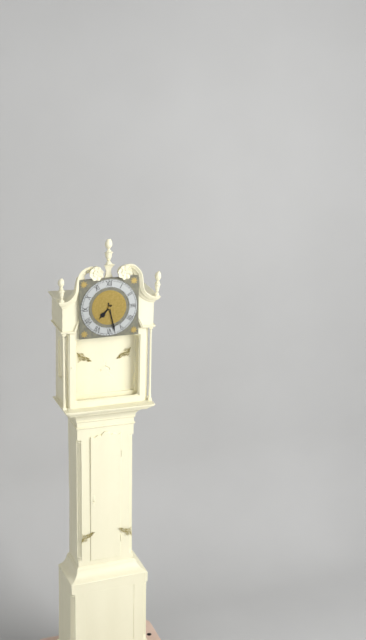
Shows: 7:28
